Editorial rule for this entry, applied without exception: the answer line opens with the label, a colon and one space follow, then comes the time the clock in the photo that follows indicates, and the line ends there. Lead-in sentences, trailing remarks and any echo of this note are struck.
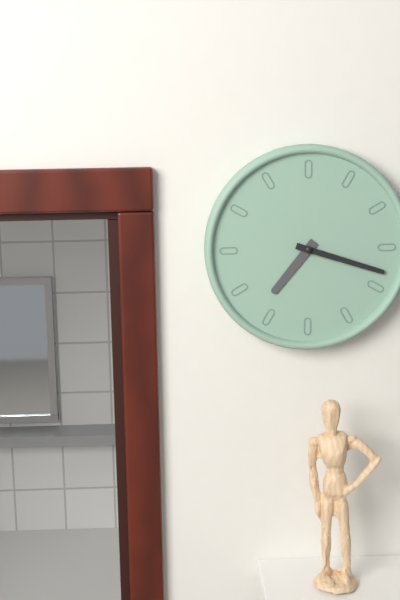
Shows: 7:18
